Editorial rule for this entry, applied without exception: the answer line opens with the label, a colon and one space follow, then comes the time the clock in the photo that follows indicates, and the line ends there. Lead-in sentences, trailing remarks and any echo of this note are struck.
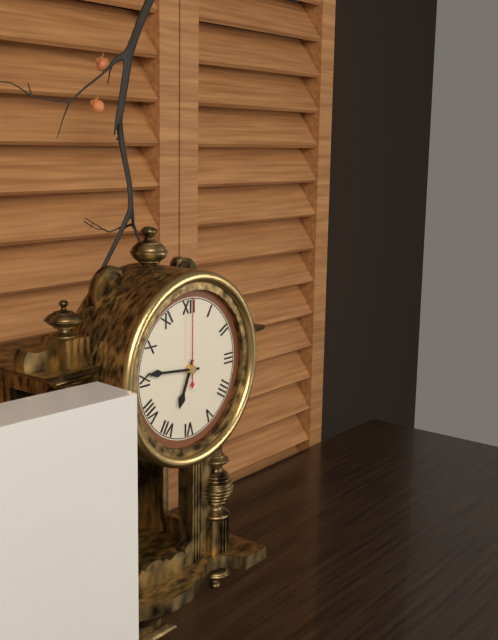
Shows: 6:46:00
